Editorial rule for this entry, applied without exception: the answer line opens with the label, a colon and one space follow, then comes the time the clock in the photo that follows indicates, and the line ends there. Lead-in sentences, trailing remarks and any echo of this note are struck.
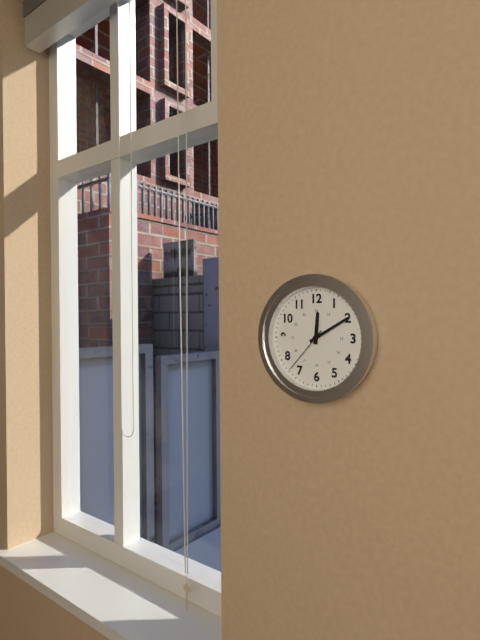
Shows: 12:10:37
